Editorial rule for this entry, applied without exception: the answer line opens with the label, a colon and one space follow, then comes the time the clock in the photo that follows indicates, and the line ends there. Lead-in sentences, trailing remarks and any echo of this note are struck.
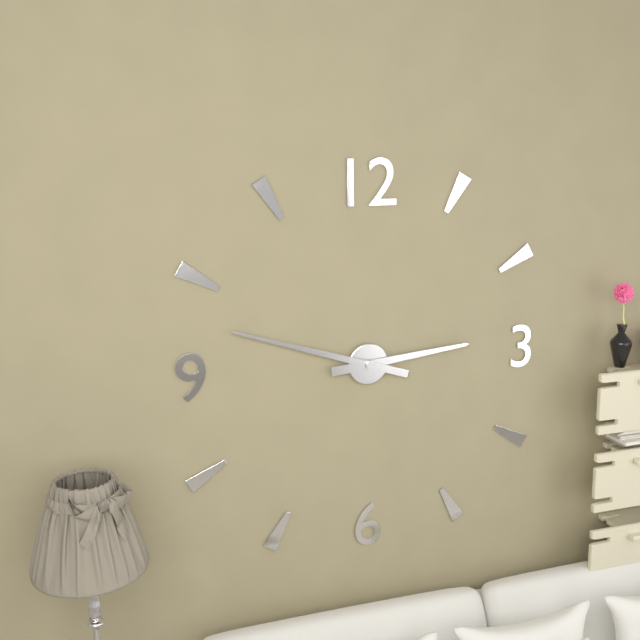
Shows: 2:48
